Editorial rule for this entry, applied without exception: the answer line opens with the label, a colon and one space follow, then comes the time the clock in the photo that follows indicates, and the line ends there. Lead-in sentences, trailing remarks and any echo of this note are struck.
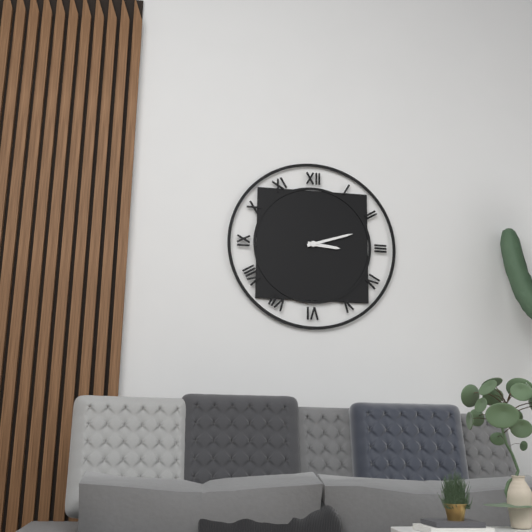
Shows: 3:12
